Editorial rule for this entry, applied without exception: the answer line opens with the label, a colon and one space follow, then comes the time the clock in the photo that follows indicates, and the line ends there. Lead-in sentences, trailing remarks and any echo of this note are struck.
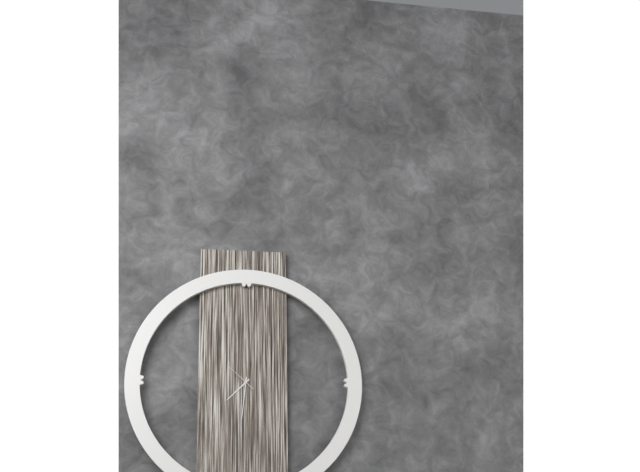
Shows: 7:31
